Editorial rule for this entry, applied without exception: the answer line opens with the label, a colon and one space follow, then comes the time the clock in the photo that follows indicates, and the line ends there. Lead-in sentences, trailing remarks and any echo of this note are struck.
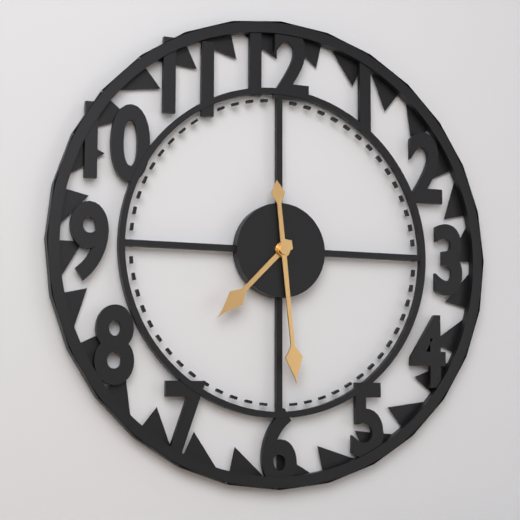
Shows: 7:29
